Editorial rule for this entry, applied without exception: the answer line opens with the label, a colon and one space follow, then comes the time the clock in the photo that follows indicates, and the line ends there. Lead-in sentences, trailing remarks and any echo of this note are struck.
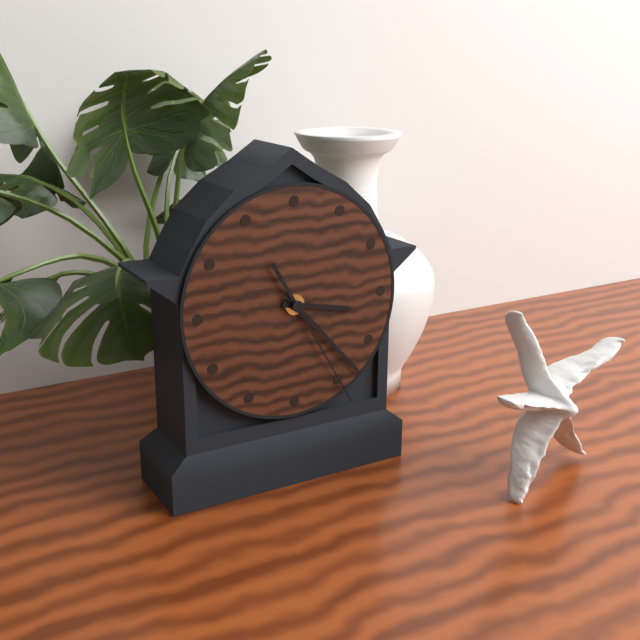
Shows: 3:23:25
